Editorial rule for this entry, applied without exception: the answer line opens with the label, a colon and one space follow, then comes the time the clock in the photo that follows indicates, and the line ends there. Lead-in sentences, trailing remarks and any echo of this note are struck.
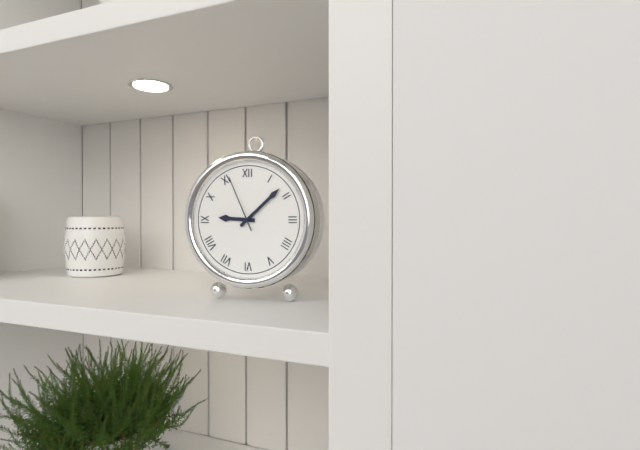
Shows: 9:08:56
